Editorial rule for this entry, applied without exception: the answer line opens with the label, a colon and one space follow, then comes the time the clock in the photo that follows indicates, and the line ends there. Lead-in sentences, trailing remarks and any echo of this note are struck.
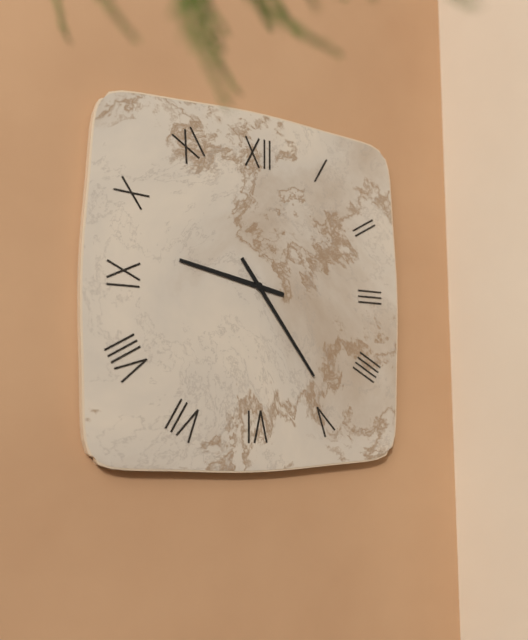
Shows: 9:24
